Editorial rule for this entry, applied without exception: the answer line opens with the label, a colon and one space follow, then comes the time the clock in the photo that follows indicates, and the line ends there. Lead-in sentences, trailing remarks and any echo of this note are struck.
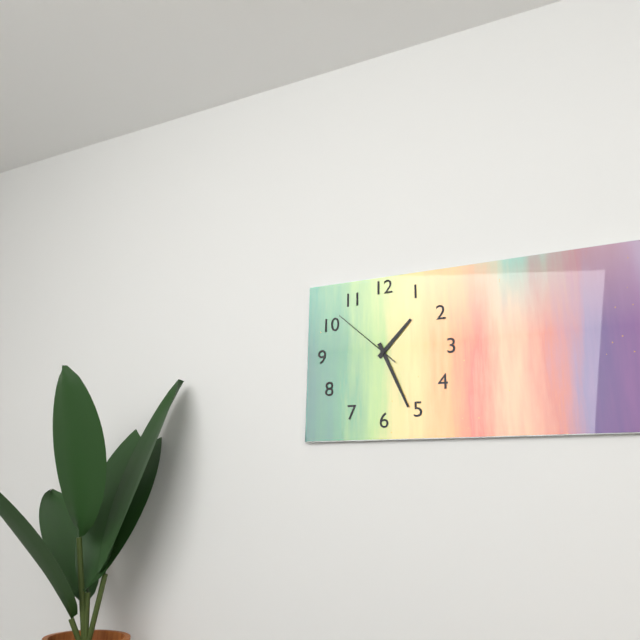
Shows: 1:26:52
